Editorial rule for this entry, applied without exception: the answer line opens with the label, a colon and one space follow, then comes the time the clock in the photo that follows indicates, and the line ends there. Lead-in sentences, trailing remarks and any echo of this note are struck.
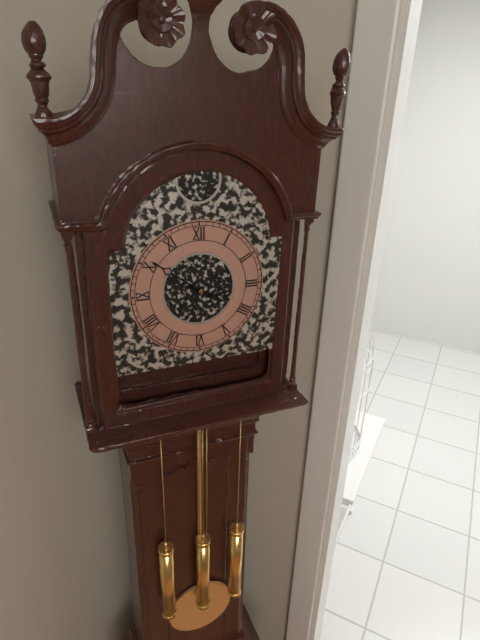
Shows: 3:51
